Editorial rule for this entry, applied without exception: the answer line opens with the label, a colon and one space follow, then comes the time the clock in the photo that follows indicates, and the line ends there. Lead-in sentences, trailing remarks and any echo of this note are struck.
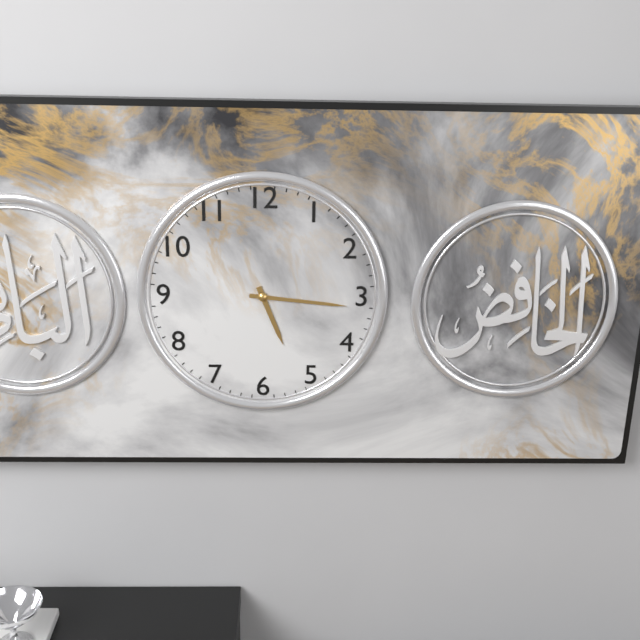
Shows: 5:16
